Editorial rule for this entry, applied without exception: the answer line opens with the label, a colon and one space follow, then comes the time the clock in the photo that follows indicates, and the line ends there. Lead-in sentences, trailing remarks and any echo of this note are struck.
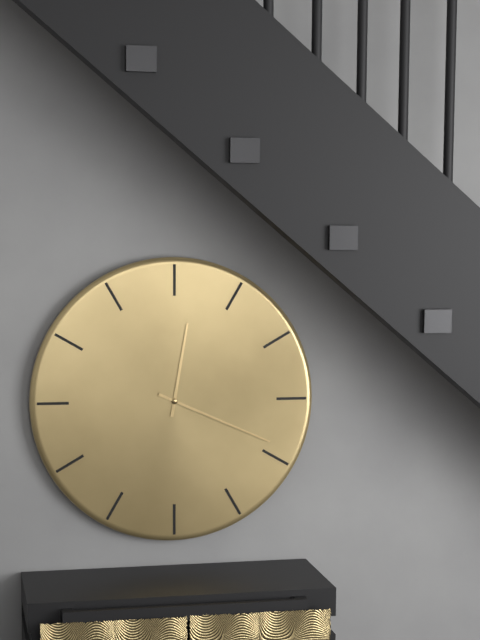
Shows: 12:19
